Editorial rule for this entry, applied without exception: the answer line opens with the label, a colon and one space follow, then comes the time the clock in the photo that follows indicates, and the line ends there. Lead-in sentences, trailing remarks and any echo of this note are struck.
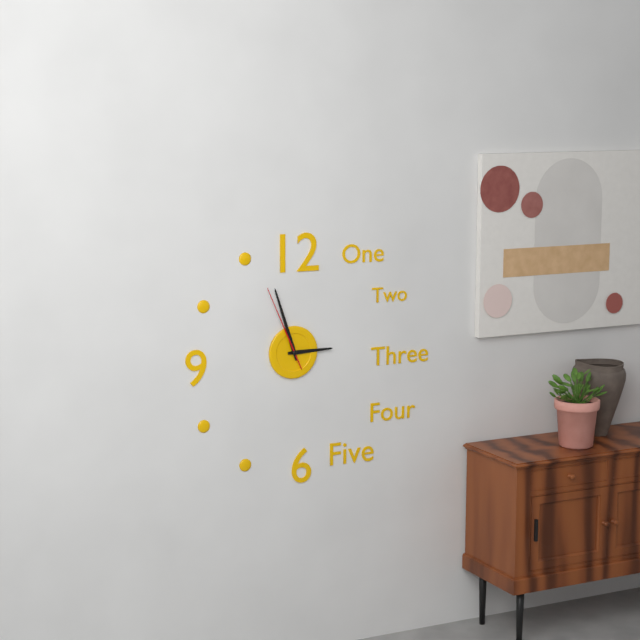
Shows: 2:57:56
